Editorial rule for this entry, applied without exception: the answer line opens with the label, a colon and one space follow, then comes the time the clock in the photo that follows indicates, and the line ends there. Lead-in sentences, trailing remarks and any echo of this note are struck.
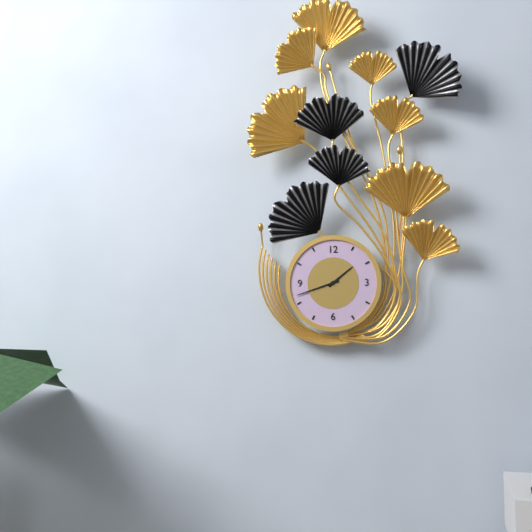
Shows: 1:42
